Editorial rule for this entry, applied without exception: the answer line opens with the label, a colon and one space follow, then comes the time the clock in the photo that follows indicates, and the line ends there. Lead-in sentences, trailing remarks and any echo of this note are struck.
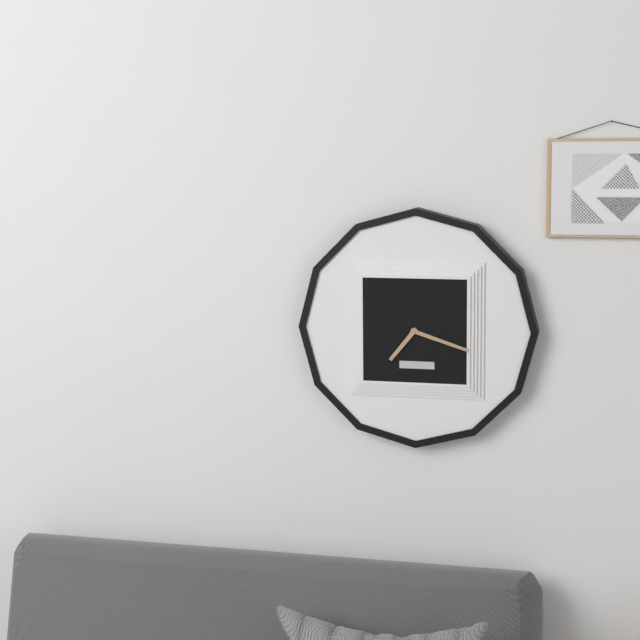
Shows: 7:18
